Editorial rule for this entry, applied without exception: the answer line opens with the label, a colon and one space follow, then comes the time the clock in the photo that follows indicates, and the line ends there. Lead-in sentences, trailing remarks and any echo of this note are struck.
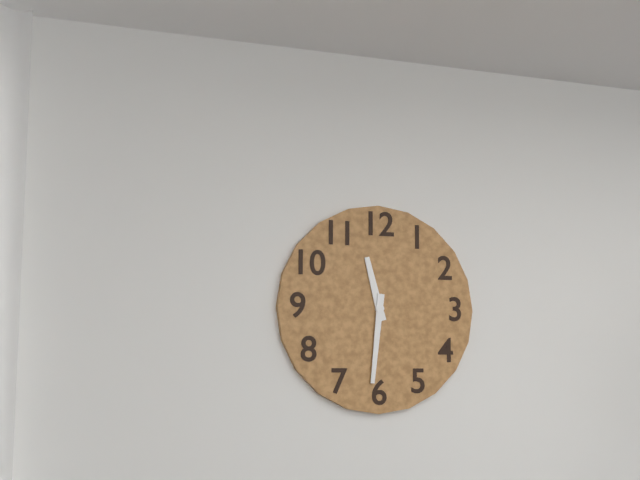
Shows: 11:31
